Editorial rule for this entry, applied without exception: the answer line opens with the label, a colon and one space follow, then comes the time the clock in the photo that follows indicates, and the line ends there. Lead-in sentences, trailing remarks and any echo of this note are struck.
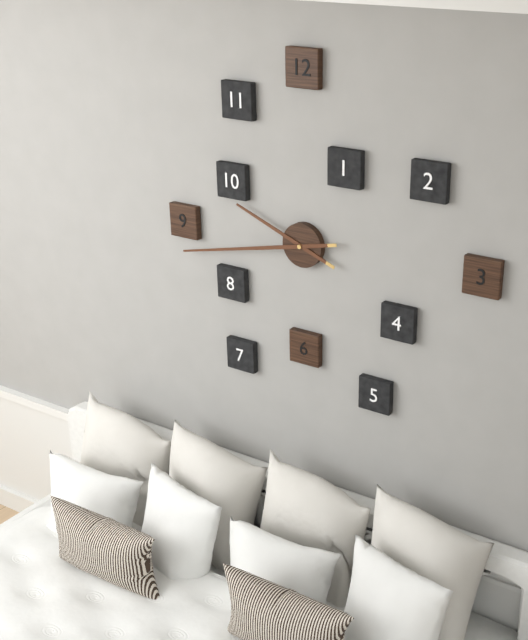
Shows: 9:43
